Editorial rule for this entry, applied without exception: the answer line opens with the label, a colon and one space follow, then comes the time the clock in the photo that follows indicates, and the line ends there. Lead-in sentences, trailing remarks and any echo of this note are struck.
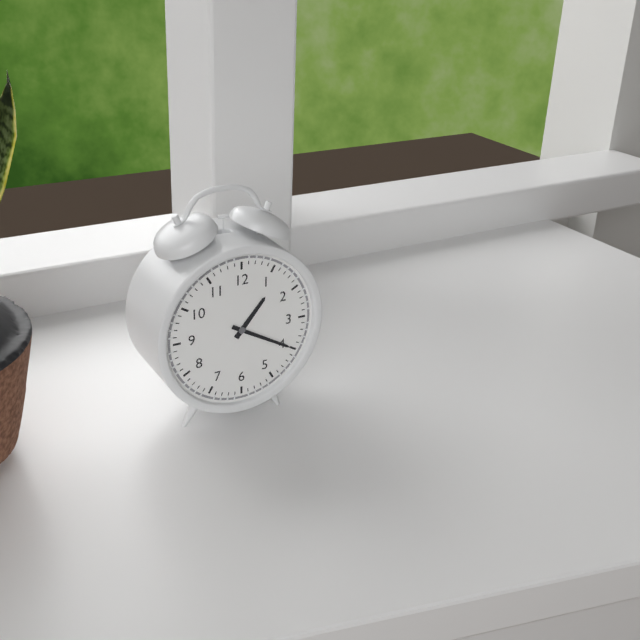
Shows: 1:20
